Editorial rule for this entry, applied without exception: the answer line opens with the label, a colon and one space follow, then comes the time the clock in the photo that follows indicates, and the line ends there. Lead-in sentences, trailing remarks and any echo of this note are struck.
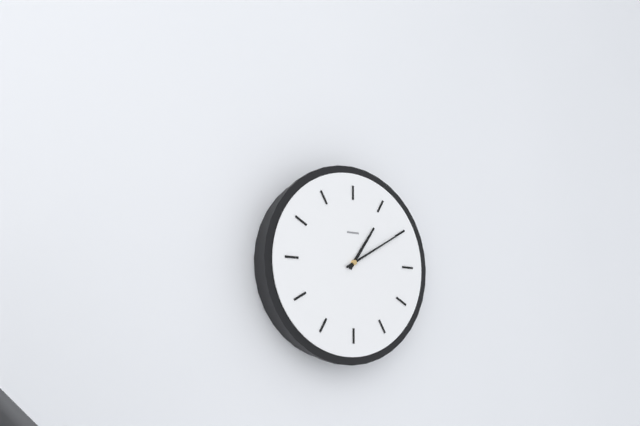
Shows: 1:10
